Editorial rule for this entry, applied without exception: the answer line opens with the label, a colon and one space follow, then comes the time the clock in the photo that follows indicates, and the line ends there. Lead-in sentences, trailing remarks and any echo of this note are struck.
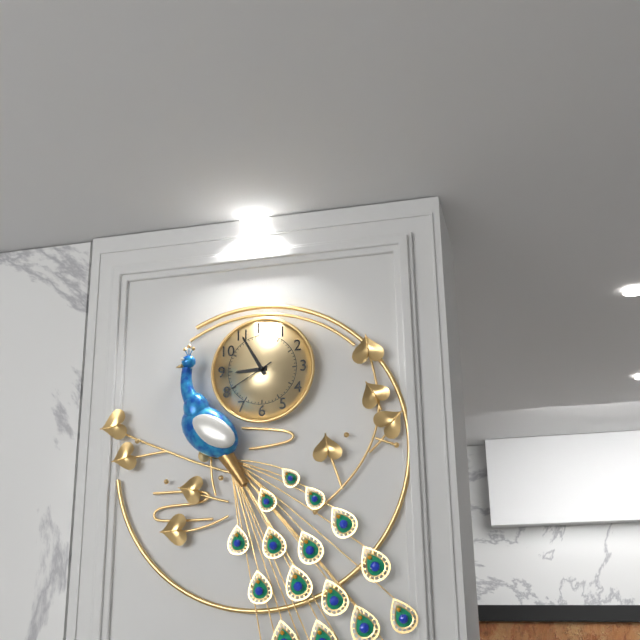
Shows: 8:55:40
